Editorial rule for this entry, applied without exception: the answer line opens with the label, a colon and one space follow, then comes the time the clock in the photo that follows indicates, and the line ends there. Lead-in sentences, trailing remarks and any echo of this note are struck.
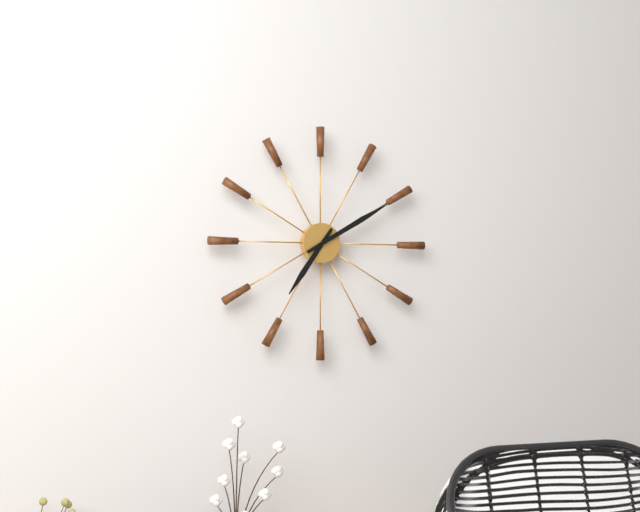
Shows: 7:10
